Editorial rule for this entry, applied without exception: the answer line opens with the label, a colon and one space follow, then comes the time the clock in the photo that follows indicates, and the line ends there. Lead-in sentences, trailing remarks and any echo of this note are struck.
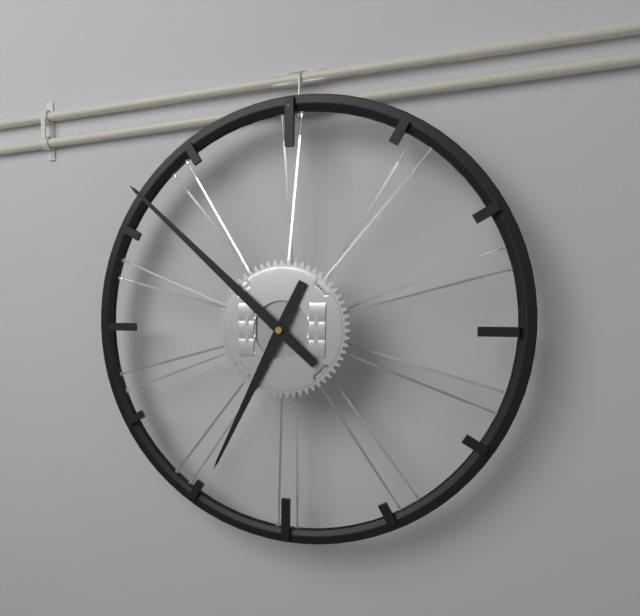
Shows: 6:52
